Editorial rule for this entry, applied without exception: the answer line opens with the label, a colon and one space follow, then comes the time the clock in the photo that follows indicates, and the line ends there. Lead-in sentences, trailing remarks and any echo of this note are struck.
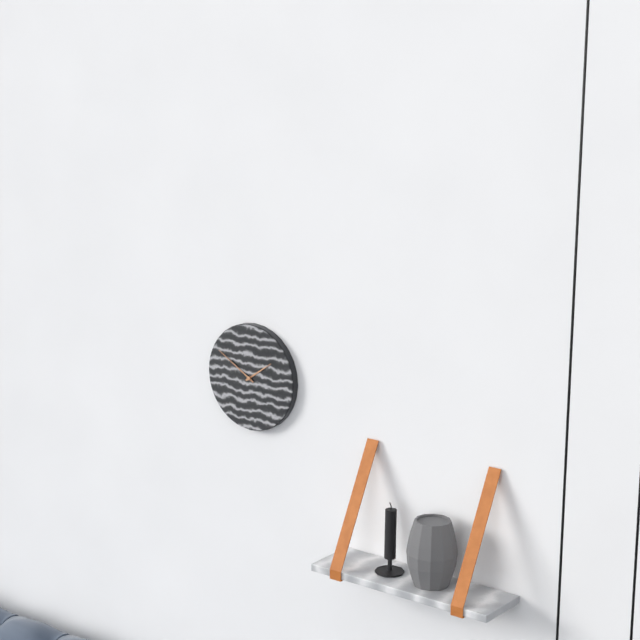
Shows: 1:50
